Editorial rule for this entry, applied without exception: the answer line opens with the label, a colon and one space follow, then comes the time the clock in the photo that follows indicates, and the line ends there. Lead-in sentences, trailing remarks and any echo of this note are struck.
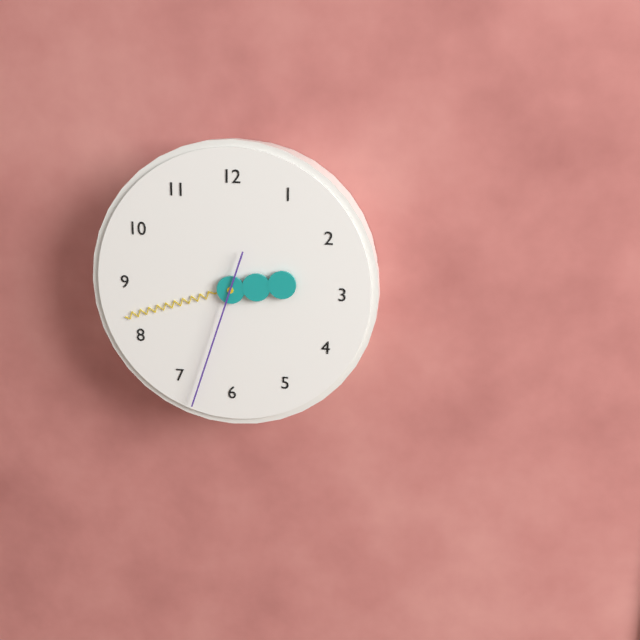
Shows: 2:42:33
